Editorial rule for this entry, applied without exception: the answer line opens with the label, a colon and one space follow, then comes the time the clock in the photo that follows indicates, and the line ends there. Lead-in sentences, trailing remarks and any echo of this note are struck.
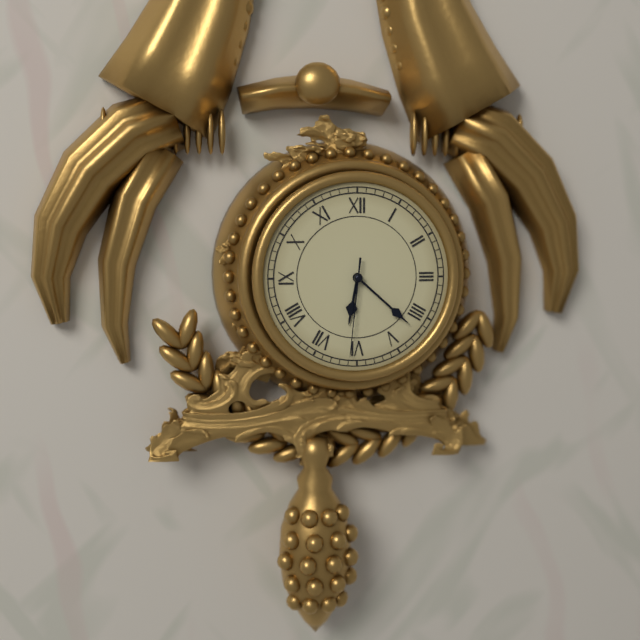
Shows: 6:22:31
